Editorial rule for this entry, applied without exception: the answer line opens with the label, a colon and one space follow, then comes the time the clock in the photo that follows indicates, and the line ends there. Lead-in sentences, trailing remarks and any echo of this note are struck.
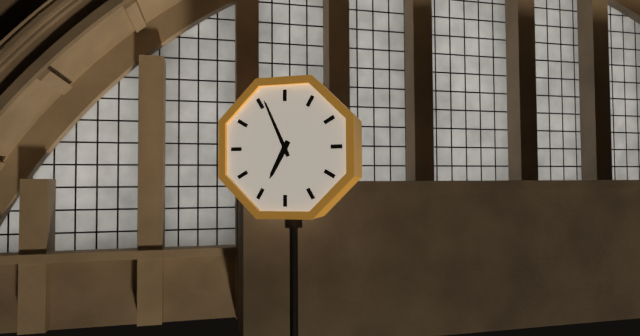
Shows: 6:56
